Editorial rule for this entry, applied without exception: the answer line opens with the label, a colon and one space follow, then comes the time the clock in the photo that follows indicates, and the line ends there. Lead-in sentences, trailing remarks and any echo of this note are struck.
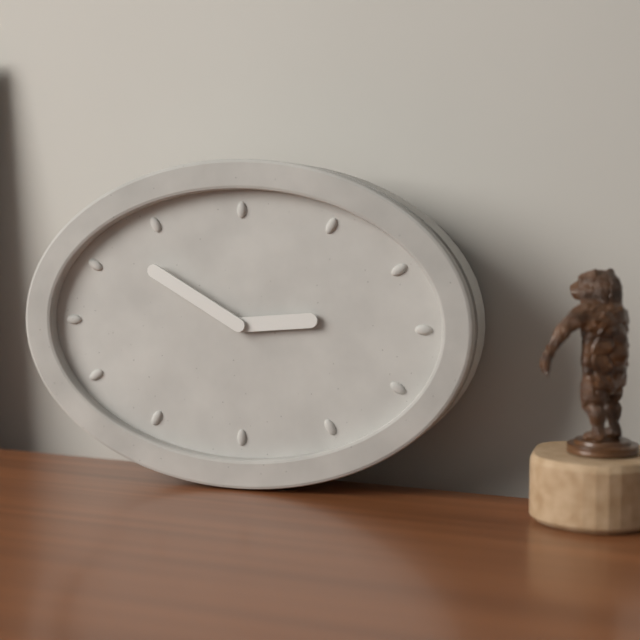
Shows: 2:50
